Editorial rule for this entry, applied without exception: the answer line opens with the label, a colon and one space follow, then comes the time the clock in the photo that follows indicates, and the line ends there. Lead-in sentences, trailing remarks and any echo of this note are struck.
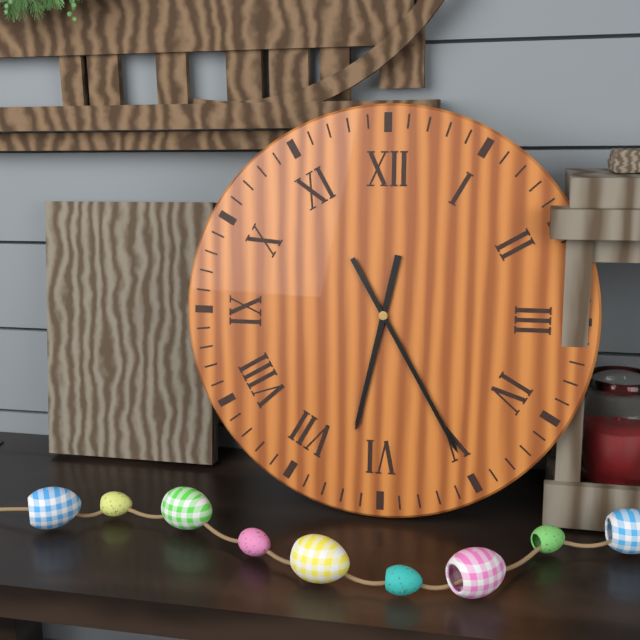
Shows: 6:25
